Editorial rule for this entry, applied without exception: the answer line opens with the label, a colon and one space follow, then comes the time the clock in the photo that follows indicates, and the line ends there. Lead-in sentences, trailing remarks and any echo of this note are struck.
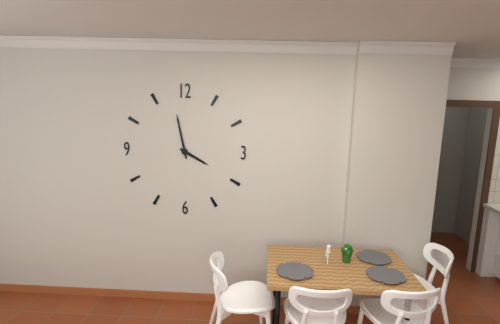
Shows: 3:58
